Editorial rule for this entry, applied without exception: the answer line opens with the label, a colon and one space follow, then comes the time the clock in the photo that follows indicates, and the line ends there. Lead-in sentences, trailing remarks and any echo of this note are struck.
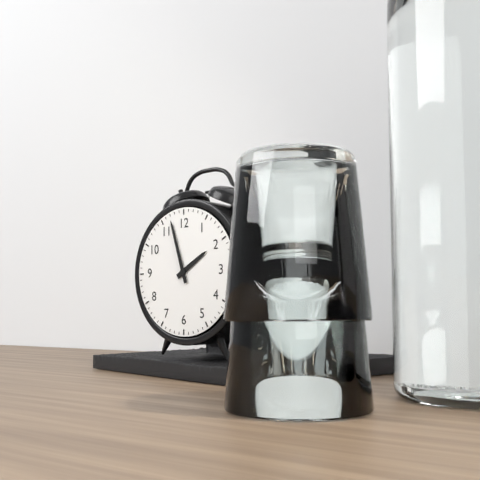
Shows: 1:57
